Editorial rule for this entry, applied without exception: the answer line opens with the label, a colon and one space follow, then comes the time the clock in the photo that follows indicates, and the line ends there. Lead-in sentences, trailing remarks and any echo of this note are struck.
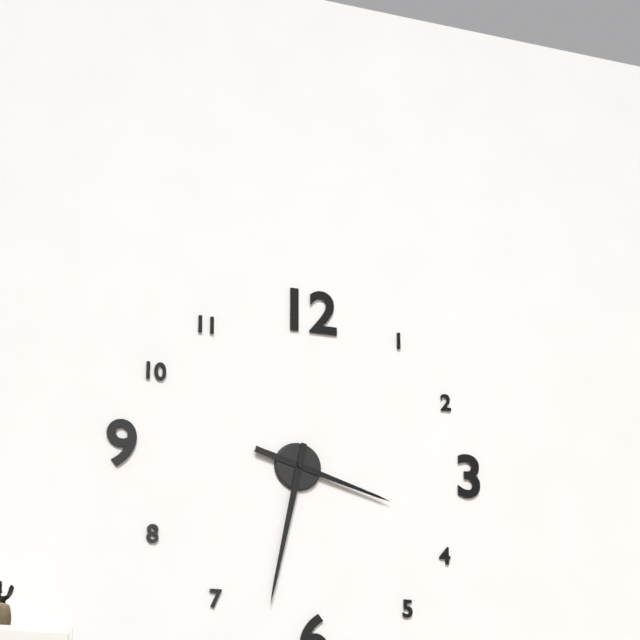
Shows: 3:32
